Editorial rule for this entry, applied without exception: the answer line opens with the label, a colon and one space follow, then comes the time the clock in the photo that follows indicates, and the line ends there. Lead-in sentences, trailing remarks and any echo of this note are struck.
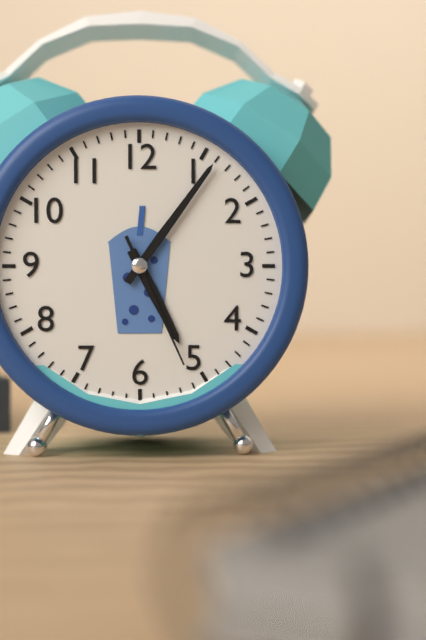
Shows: 5:06:26
